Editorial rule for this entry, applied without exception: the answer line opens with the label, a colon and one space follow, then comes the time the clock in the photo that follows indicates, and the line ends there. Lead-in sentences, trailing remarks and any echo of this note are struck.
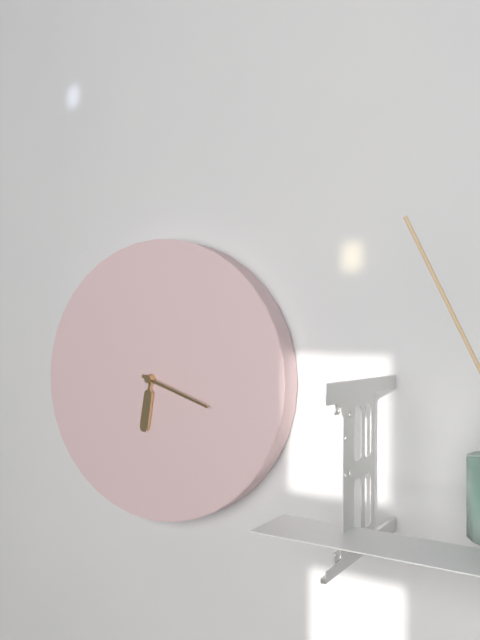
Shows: 6:18
